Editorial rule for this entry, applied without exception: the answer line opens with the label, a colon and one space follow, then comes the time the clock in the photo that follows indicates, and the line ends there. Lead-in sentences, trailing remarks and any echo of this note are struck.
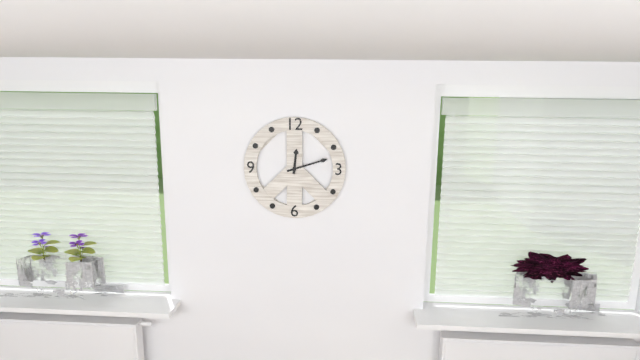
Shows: 12:12
